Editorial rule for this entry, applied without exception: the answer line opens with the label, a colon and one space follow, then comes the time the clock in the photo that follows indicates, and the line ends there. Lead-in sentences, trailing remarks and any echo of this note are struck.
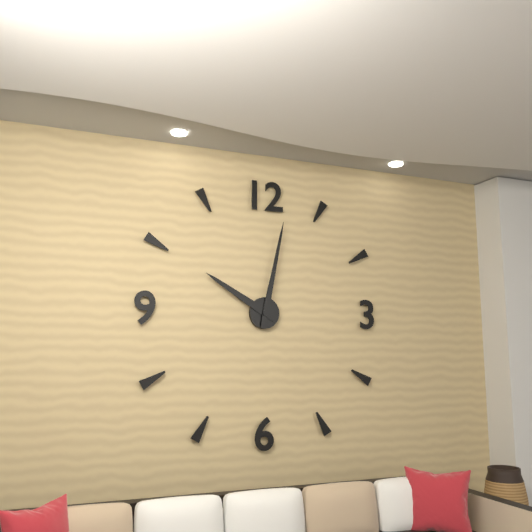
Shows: 10:02
